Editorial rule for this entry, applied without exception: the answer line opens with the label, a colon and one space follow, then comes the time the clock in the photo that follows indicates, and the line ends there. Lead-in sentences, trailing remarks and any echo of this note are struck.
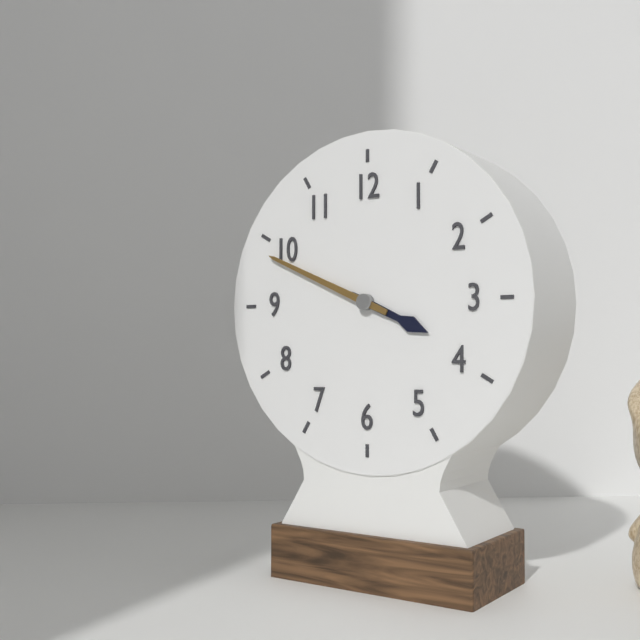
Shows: 3:49
